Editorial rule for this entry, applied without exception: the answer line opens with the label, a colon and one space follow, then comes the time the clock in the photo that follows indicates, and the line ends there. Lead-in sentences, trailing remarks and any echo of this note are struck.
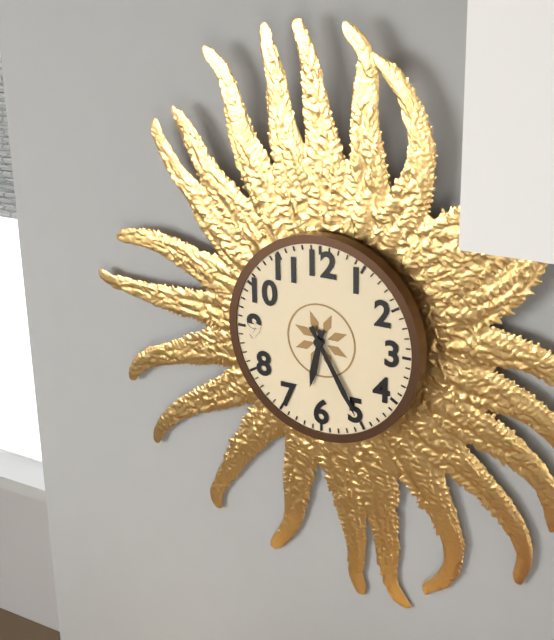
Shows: 6:25
